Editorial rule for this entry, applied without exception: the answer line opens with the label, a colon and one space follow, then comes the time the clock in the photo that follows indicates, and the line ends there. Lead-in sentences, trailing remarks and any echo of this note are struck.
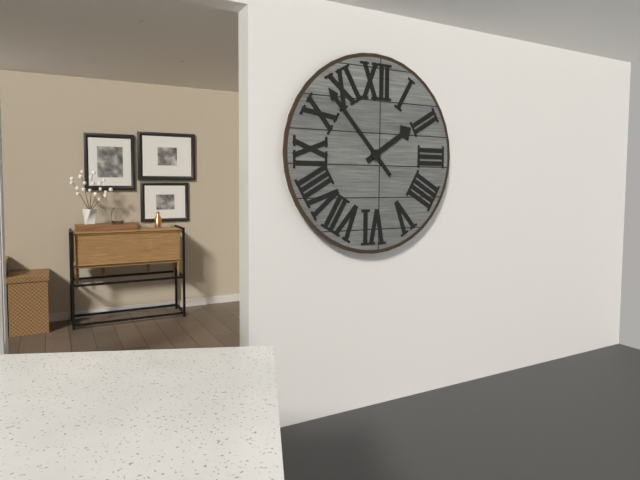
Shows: 1:53
